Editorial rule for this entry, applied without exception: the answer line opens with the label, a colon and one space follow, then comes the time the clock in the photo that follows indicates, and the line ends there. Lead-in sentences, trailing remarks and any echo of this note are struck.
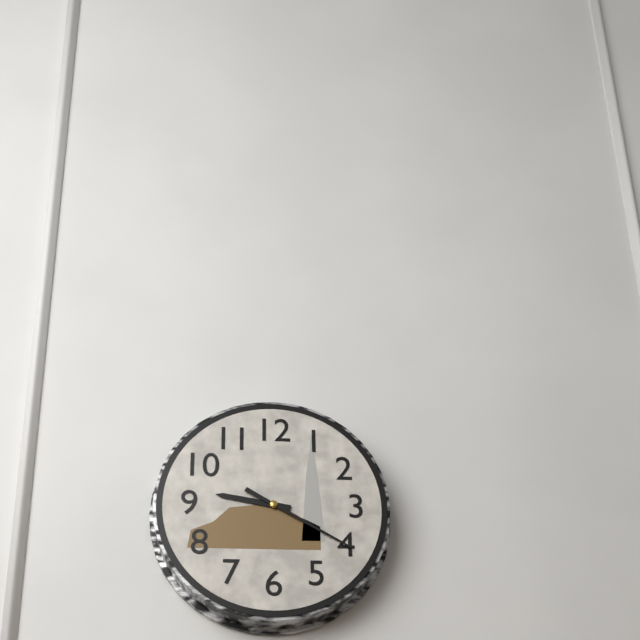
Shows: 9:20
